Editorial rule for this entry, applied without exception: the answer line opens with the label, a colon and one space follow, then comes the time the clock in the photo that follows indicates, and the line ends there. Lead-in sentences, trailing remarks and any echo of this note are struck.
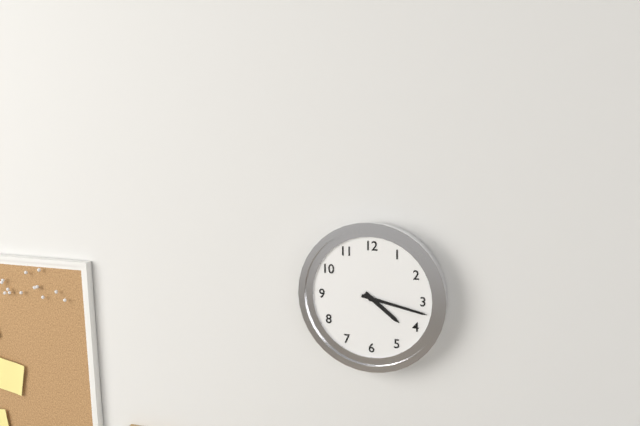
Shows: 4:17
